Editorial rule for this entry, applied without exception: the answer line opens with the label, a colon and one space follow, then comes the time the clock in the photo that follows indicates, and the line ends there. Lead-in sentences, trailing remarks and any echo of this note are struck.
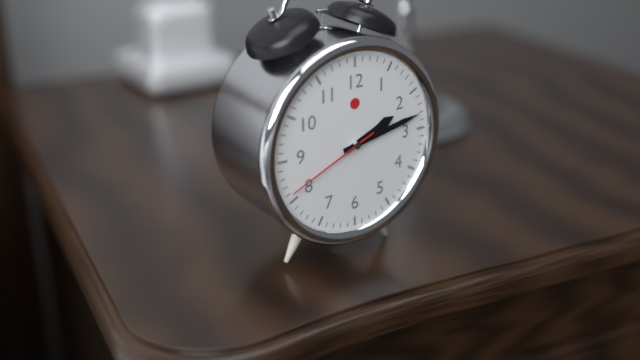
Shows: 2:13:41
